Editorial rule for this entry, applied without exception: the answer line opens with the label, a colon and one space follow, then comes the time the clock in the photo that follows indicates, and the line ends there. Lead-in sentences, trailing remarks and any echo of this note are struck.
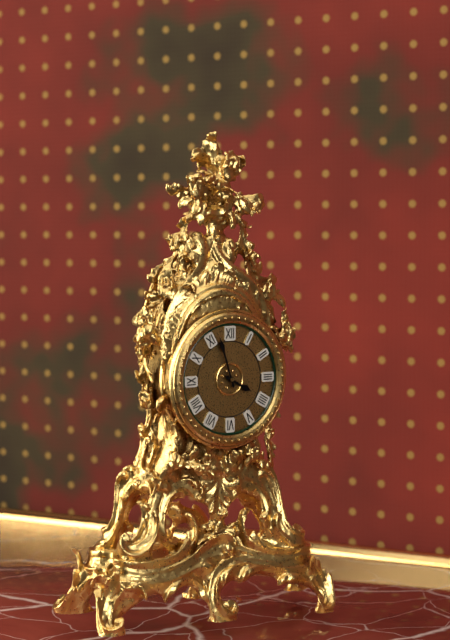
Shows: 3:57
